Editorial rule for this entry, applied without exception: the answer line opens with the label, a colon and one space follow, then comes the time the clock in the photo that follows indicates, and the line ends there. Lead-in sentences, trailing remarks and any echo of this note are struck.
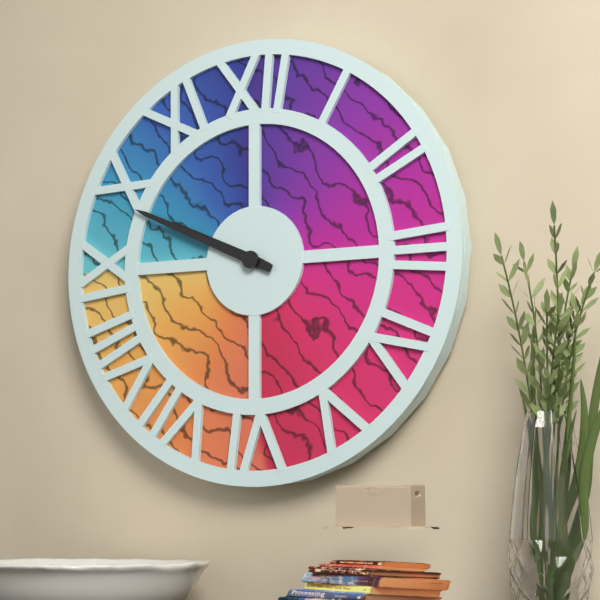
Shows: 9:49
